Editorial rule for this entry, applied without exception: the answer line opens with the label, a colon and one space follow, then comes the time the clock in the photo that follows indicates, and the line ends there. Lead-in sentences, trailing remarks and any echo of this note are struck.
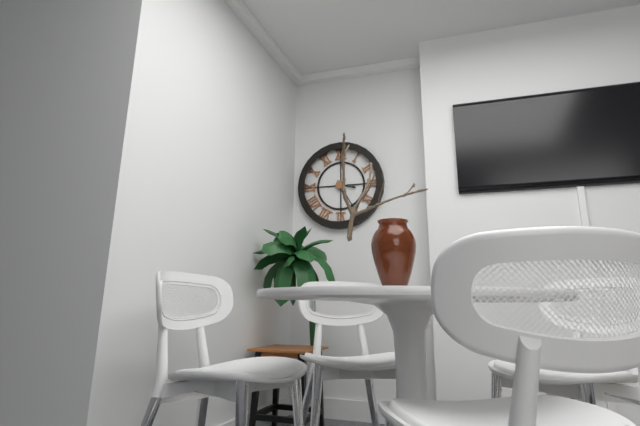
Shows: 3:25
